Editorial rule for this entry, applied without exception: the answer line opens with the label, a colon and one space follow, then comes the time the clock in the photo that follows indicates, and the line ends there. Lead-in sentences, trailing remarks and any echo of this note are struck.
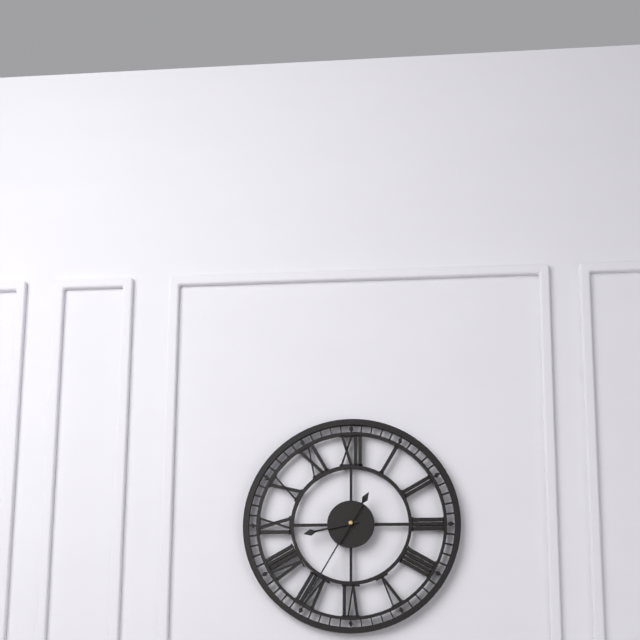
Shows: 8:35
